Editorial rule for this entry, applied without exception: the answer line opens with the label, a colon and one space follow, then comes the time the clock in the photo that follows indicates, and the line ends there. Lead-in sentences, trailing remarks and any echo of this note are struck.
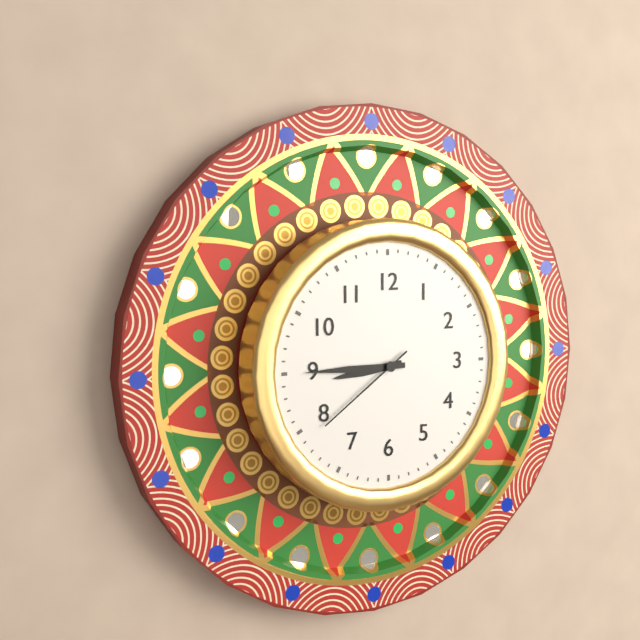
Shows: 8:45:39
